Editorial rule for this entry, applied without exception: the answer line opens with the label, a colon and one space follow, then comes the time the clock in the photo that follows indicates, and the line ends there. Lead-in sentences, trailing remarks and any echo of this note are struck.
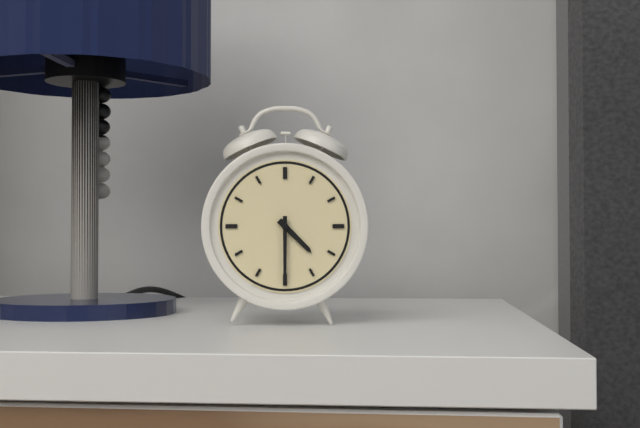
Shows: 4:30
